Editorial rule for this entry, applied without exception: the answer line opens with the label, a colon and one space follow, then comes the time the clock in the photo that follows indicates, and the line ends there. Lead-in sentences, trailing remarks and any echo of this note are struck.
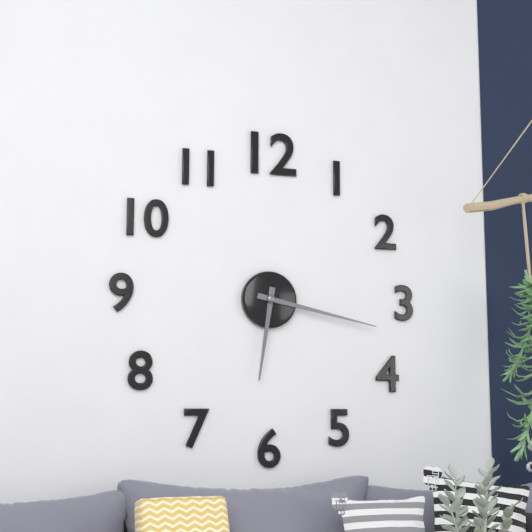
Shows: 6:17
